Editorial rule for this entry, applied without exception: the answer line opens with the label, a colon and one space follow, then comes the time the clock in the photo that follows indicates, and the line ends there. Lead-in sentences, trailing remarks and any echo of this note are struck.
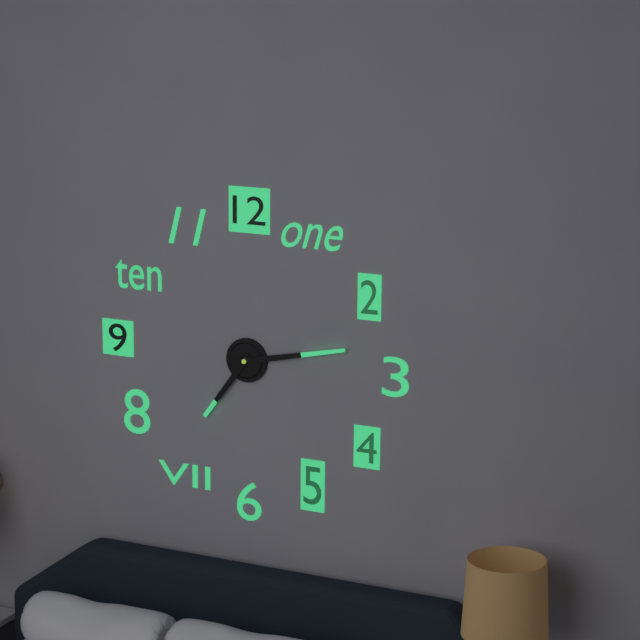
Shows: 7:13
